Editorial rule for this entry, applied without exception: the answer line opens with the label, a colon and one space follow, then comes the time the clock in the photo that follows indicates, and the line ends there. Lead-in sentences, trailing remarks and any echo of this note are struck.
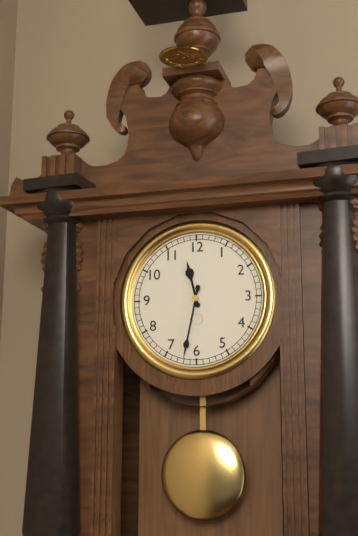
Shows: 11:32
